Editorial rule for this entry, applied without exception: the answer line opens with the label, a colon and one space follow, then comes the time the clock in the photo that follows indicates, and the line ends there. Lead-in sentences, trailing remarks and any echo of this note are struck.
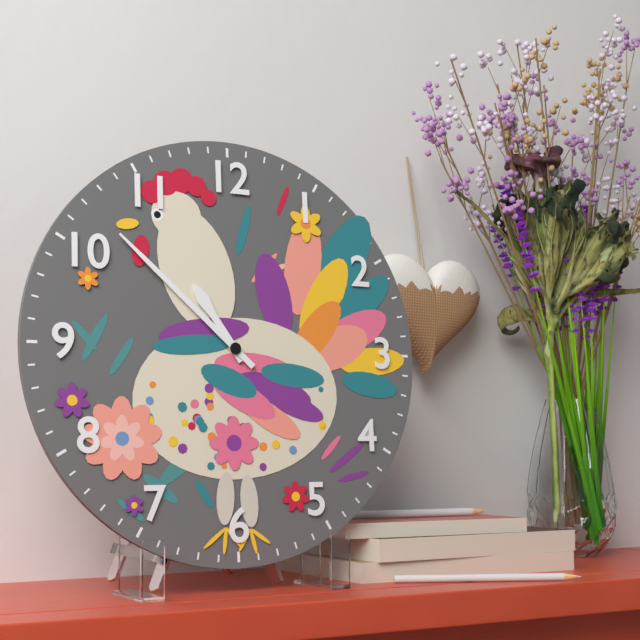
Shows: 10:52
